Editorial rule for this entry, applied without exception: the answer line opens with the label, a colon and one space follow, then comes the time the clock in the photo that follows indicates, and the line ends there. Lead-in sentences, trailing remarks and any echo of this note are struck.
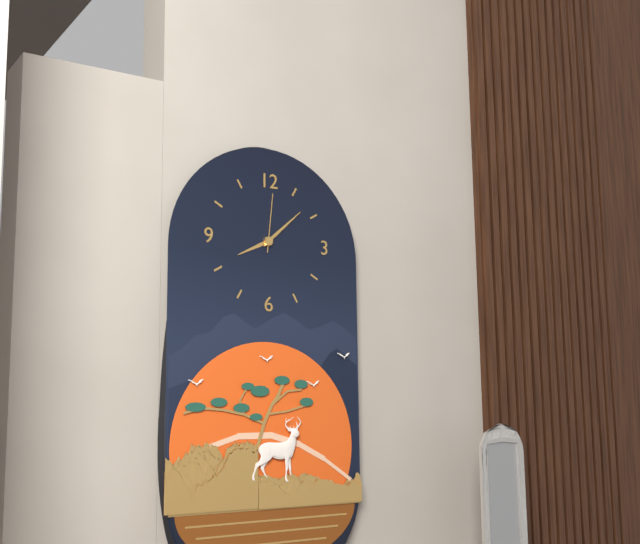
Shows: 8:08:01
